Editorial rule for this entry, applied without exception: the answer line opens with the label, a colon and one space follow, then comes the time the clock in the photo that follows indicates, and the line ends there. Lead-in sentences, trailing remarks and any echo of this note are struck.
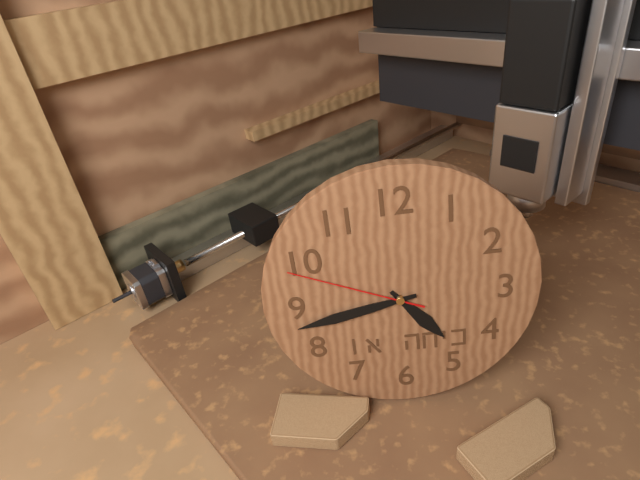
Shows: 4:43:49
